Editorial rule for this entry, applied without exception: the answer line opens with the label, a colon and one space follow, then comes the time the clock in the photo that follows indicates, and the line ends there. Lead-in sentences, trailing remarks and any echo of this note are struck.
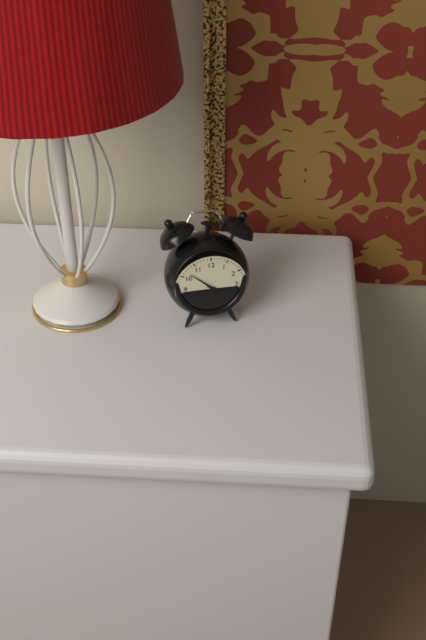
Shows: 3:52
